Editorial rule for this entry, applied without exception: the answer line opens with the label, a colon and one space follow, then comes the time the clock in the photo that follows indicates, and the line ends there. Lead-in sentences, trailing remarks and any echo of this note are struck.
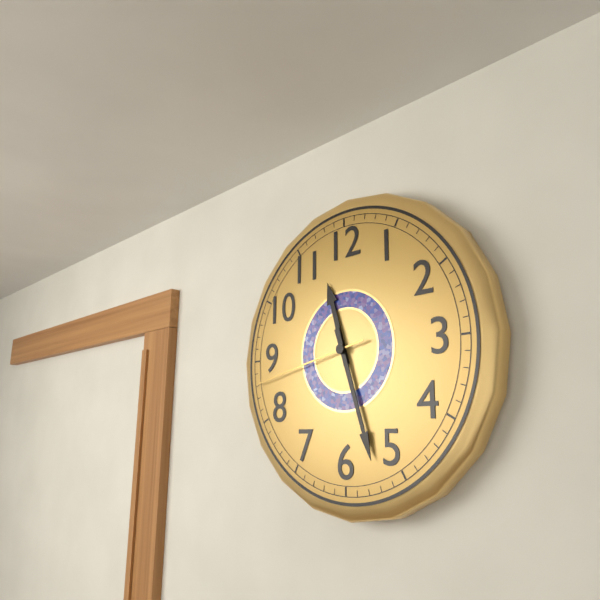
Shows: 11:27:43
